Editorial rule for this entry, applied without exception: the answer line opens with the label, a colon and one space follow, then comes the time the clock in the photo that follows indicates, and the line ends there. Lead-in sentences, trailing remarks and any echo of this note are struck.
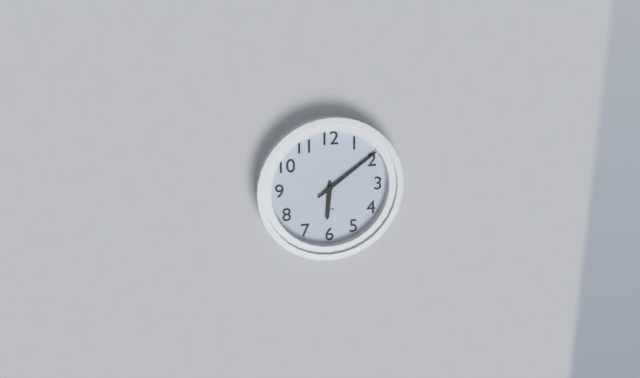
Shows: 6:09
